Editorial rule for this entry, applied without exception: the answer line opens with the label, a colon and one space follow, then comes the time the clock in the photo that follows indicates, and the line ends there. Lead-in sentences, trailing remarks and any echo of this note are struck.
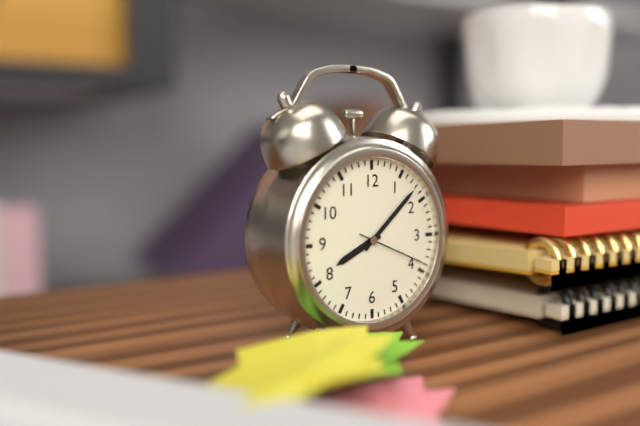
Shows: 8:08:19
